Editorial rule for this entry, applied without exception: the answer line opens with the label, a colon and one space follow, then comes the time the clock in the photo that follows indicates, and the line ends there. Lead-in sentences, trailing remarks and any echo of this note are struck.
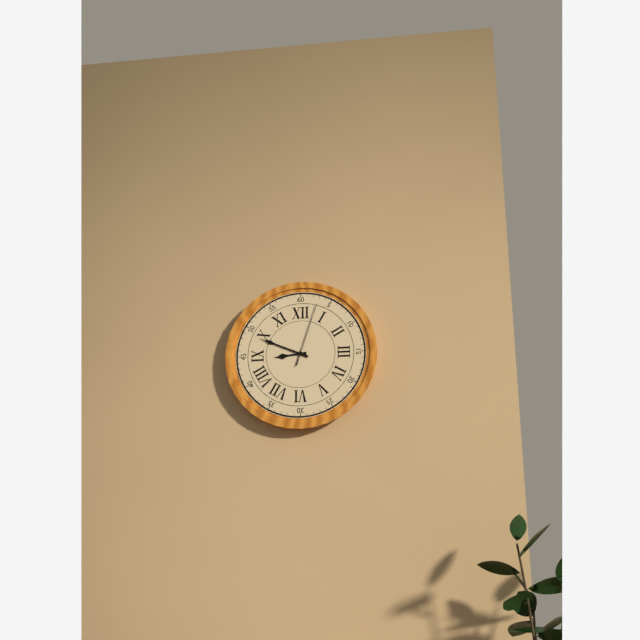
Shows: 8:49:03
